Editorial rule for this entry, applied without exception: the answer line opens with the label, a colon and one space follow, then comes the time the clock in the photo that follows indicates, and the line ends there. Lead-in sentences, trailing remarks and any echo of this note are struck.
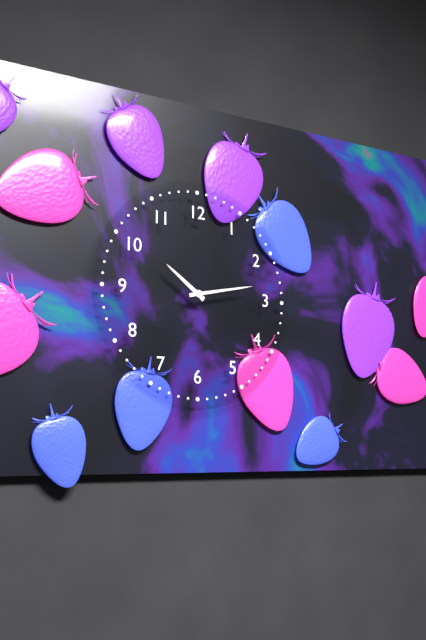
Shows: 10:13
